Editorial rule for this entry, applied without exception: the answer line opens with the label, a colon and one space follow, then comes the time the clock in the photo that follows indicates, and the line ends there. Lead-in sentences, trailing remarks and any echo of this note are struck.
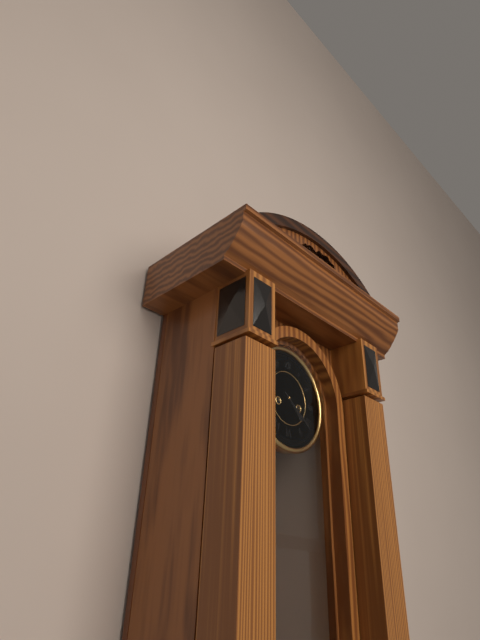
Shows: 4:21
